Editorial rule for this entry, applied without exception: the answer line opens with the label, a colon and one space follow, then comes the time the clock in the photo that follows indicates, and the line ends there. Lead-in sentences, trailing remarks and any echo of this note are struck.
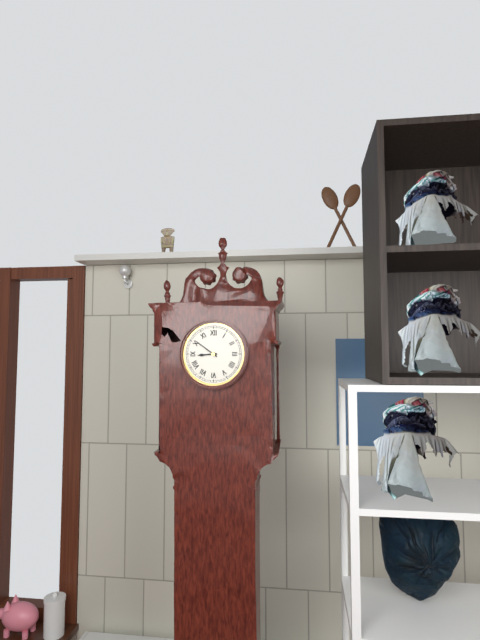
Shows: 8:51
